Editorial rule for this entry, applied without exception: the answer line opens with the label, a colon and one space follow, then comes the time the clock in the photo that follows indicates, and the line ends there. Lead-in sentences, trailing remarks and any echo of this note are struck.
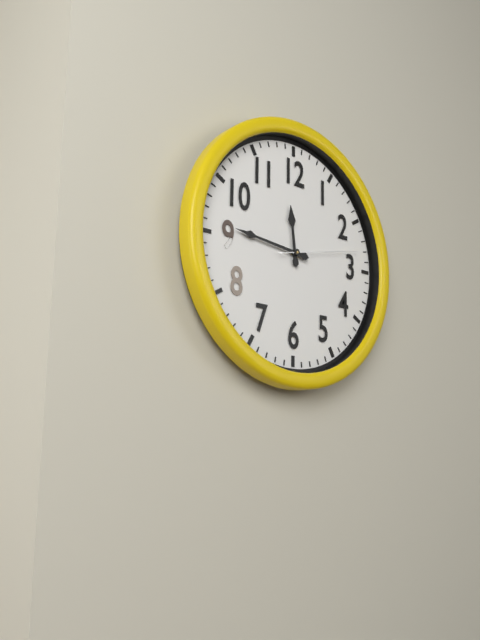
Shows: 11:46:13
